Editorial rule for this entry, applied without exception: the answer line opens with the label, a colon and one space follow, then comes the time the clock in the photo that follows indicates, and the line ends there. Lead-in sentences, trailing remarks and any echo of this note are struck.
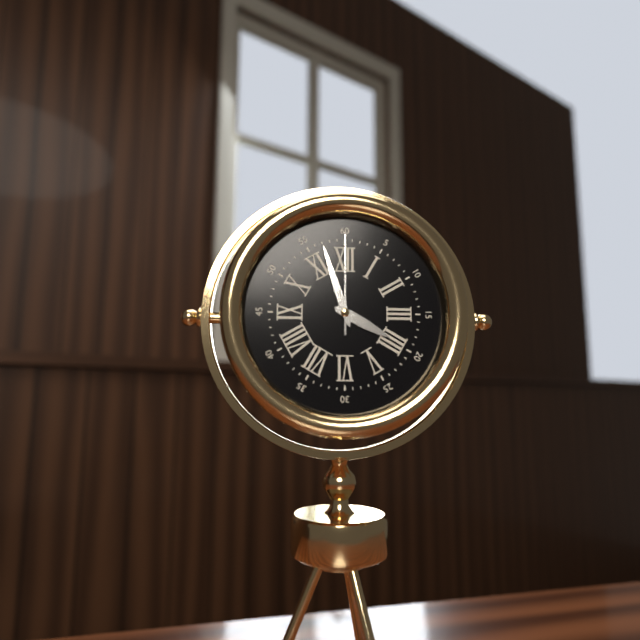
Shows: 3:57:00
